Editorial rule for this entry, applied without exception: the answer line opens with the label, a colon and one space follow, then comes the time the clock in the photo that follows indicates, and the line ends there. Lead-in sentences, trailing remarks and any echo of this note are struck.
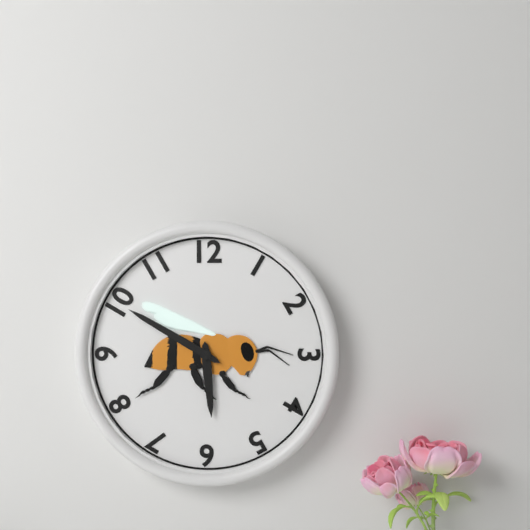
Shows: 5:50
